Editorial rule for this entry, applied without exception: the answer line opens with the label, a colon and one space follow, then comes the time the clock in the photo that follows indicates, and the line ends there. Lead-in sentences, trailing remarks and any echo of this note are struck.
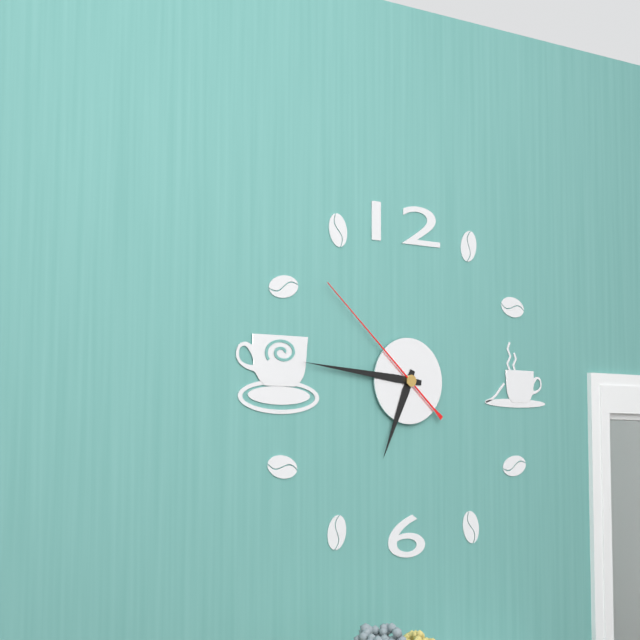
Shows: 6:46:52
